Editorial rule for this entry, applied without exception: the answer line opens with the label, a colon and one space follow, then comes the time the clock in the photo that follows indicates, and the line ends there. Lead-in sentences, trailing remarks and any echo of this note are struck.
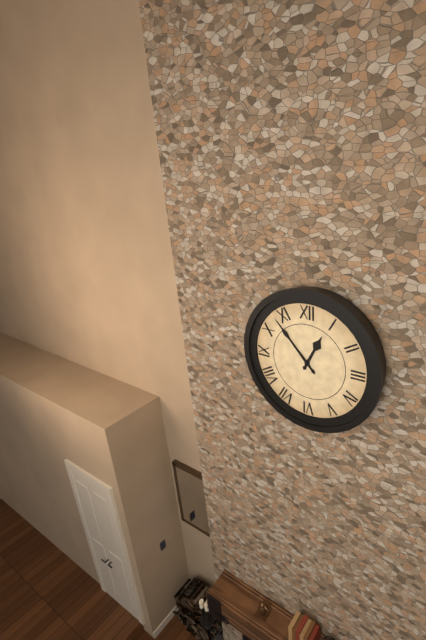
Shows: 12:53
